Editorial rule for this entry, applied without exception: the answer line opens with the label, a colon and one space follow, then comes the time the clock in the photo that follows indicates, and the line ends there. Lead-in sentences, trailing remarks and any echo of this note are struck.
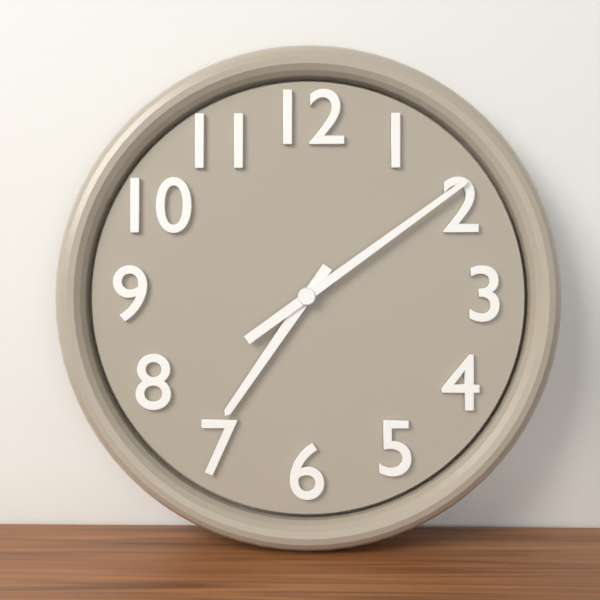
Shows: 7:09
